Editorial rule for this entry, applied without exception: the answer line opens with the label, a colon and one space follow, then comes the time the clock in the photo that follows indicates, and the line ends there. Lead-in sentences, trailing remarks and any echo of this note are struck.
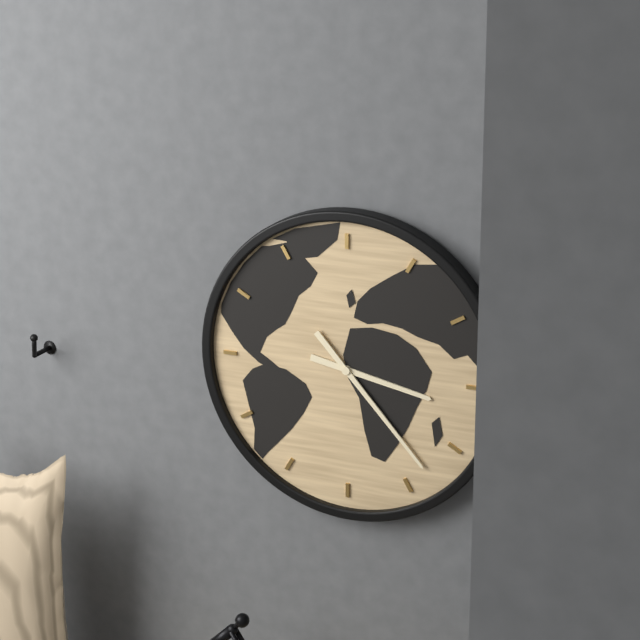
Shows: 3:23
